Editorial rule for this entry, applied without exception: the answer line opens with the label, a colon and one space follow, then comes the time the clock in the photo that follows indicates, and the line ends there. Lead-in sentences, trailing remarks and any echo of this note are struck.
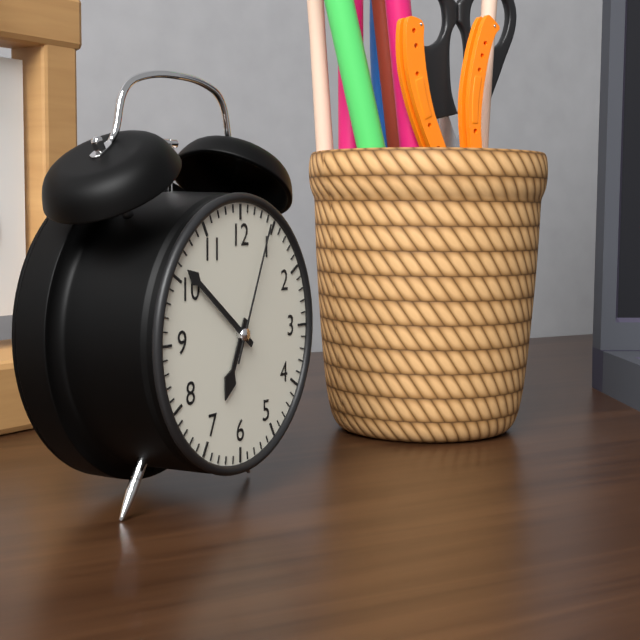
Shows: 6:51:04
